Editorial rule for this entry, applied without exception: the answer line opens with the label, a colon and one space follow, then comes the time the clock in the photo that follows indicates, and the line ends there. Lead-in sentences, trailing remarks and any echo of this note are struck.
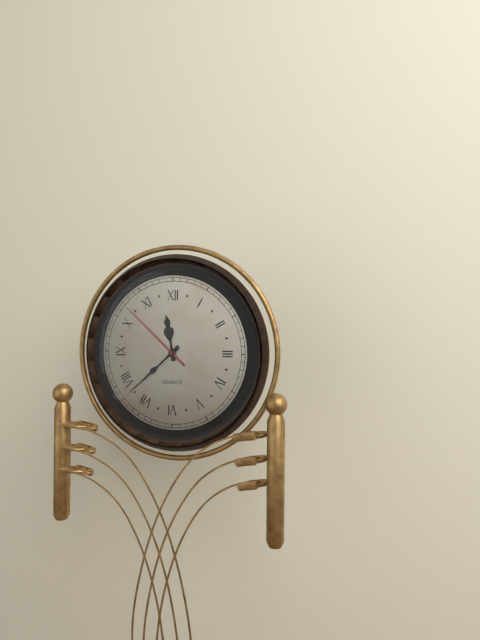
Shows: 11:38:52
